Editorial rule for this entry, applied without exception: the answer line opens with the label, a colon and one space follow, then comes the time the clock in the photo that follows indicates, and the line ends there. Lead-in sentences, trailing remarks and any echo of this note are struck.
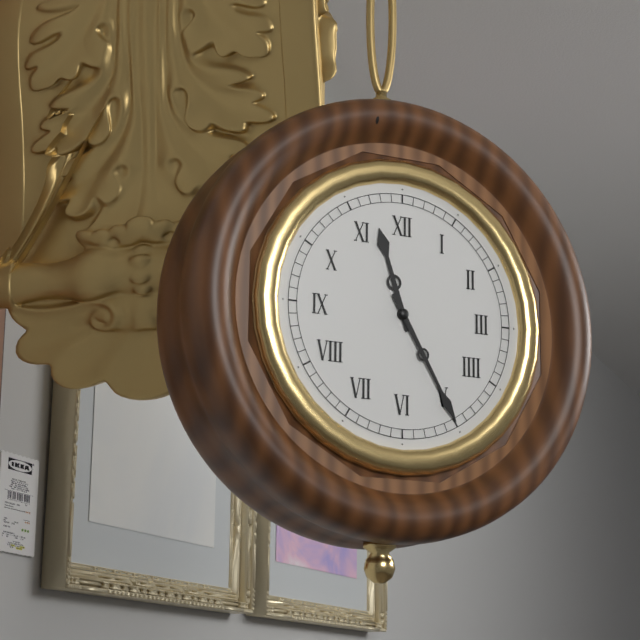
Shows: 11:25
